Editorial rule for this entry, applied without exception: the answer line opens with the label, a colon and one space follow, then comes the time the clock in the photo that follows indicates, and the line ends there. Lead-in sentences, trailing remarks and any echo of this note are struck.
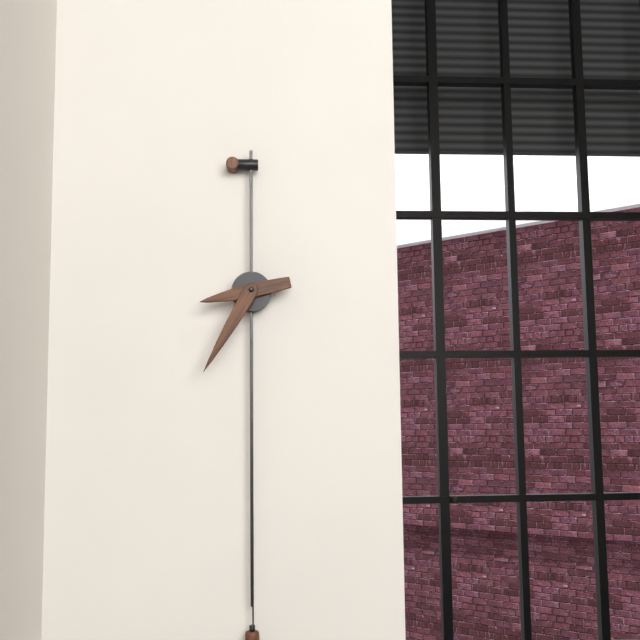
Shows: 8:35
